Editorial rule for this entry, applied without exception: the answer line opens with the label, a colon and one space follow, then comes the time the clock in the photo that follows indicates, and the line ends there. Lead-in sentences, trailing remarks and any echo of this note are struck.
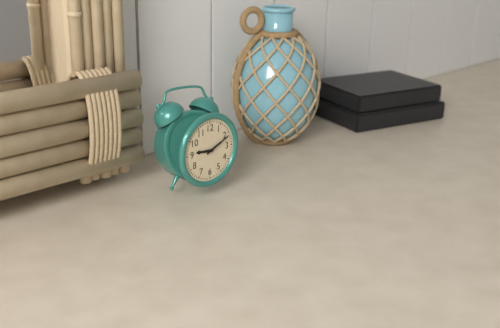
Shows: 9:11
